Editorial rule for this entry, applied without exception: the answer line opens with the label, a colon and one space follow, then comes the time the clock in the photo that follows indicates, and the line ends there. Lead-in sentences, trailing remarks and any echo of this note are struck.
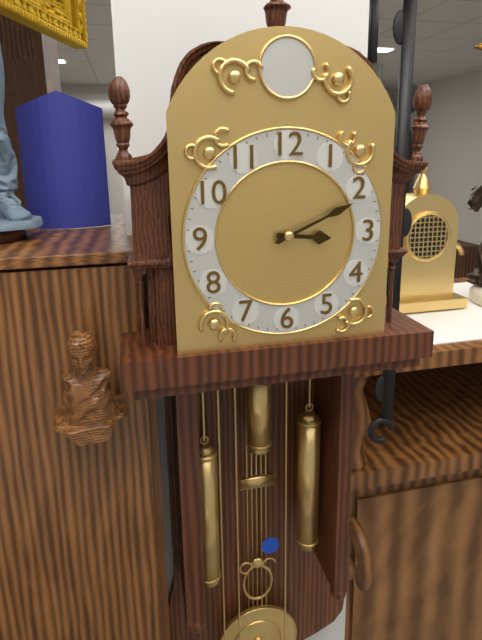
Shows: 3:11
